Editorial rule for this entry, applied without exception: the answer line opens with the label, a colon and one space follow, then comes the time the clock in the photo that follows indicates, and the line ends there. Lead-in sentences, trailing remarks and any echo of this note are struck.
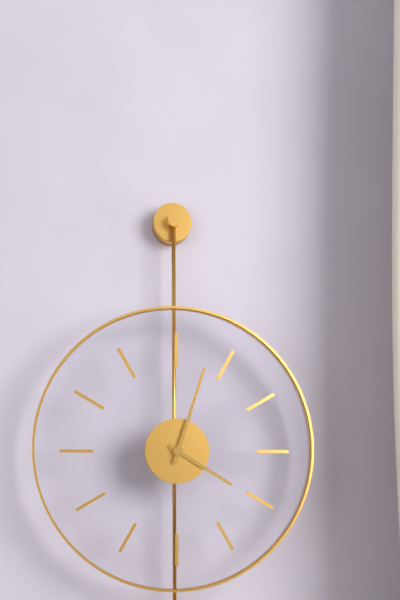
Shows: 4:03
